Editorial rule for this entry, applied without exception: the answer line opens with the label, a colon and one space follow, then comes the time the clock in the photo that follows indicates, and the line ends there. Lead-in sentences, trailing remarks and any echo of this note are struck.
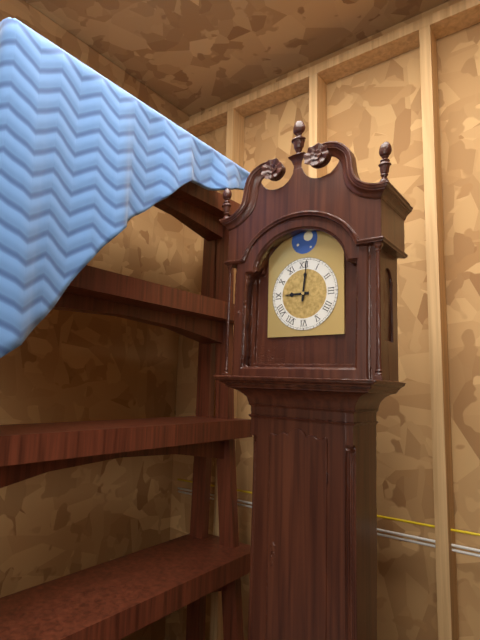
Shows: 9:01
